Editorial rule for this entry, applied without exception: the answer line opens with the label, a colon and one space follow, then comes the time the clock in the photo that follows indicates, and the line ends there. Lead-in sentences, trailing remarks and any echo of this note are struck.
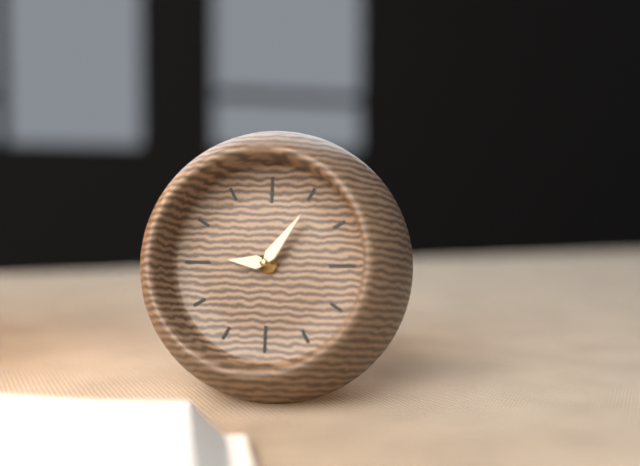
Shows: 9:06
